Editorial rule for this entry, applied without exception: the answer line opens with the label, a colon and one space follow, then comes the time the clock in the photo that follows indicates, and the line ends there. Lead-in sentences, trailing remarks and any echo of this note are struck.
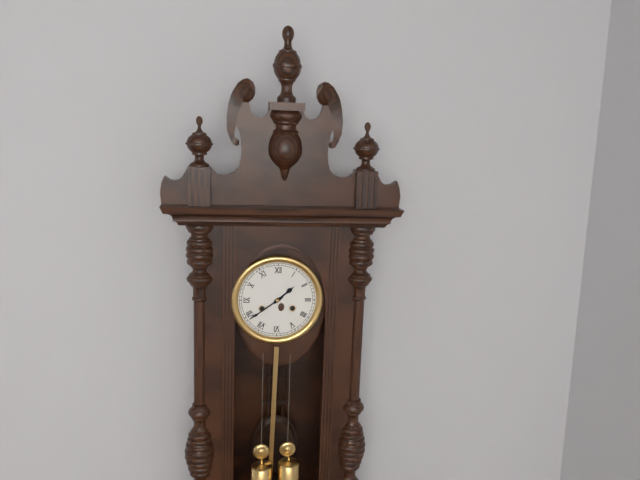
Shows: 1:39
